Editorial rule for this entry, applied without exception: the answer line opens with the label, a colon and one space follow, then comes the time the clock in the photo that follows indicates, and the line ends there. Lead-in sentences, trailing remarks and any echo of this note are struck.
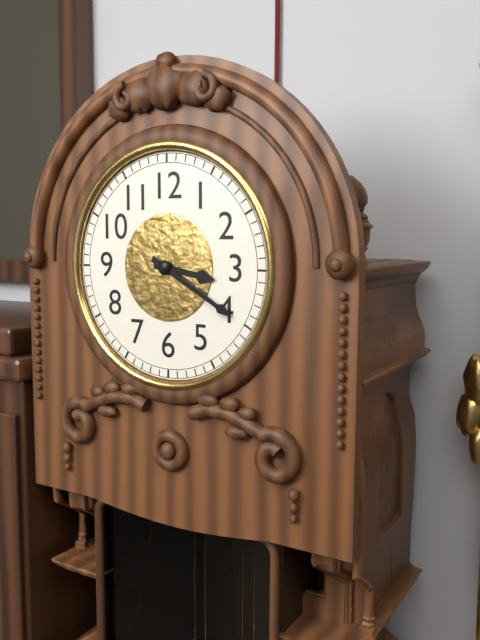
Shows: 3:20
